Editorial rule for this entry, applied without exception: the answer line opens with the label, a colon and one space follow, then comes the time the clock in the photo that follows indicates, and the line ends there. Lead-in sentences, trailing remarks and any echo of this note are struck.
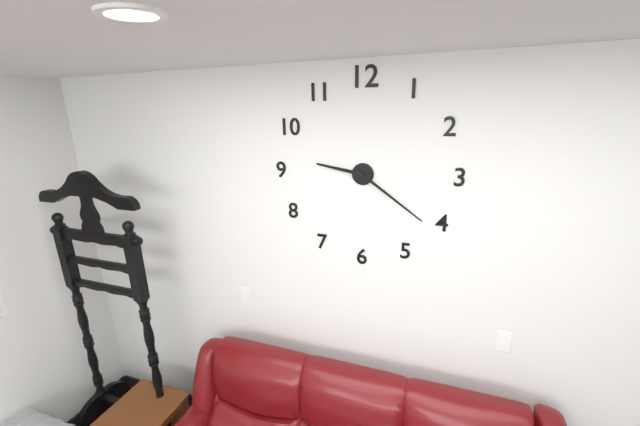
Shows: 9:21
